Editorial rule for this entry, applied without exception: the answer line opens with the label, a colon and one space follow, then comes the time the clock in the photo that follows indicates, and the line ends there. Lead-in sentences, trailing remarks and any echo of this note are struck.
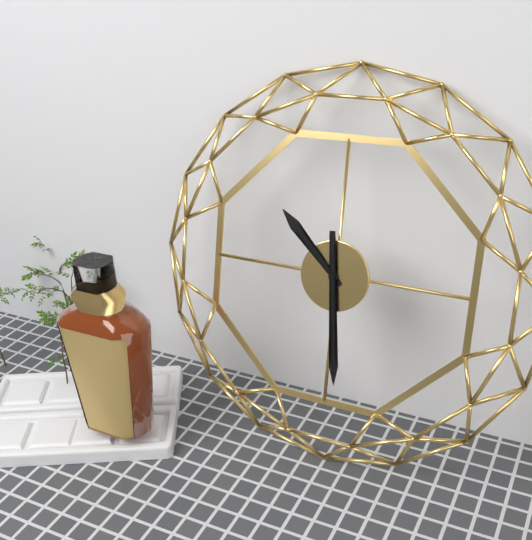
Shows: 10:29
